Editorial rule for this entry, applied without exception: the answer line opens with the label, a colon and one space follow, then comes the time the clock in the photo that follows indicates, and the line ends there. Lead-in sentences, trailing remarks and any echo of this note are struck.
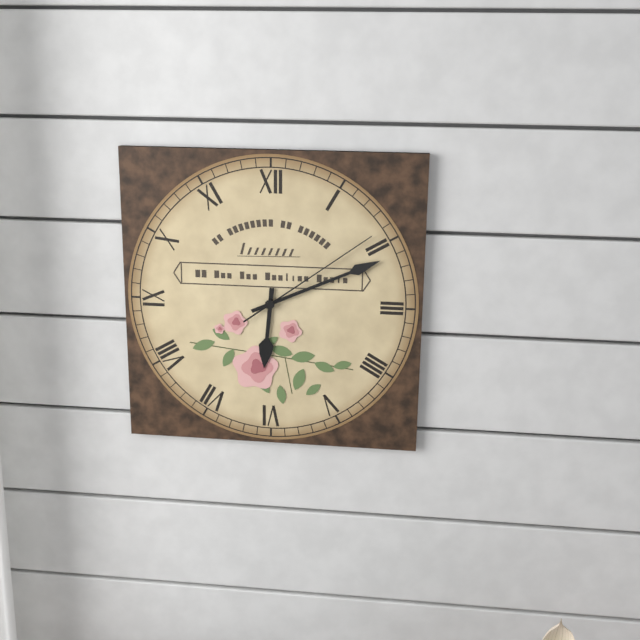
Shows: 6:11:09
